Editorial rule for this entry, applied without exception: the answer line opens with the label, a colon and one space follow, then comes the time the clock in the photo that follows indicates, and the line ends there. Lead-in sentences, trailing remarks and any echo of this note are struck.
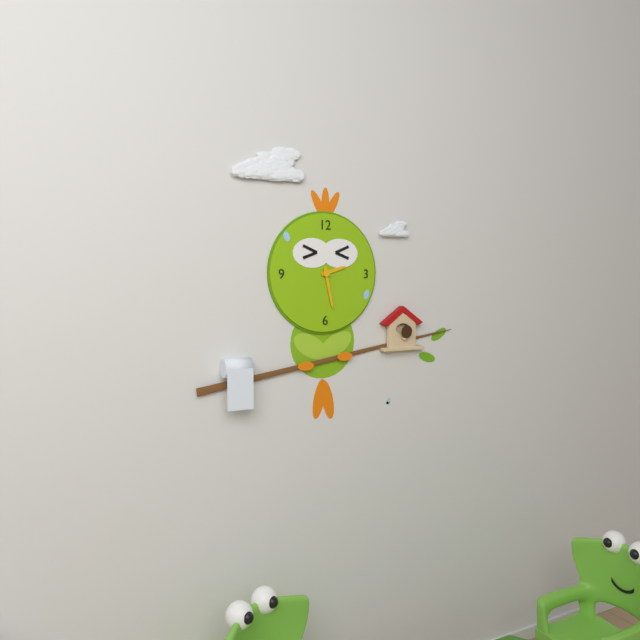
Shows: 2:28
